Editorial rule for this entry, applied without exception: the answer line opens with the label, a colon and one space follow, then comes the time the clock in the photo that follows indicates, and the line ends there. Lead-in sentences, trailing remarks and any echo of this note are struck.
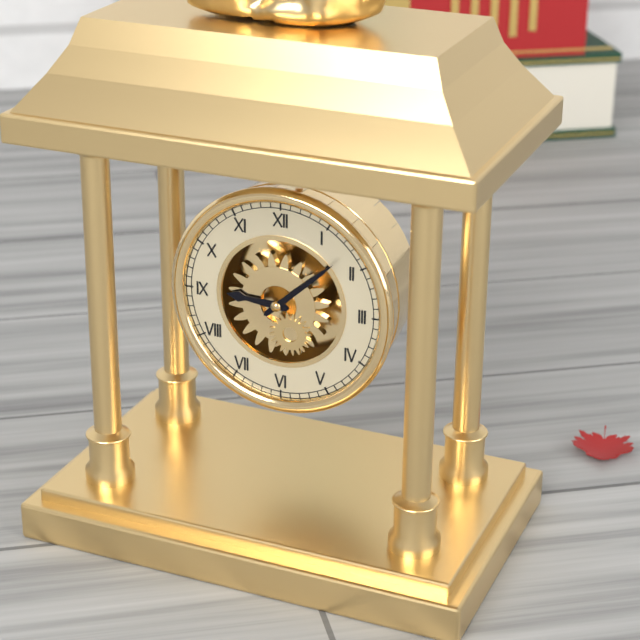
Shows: 9:08
